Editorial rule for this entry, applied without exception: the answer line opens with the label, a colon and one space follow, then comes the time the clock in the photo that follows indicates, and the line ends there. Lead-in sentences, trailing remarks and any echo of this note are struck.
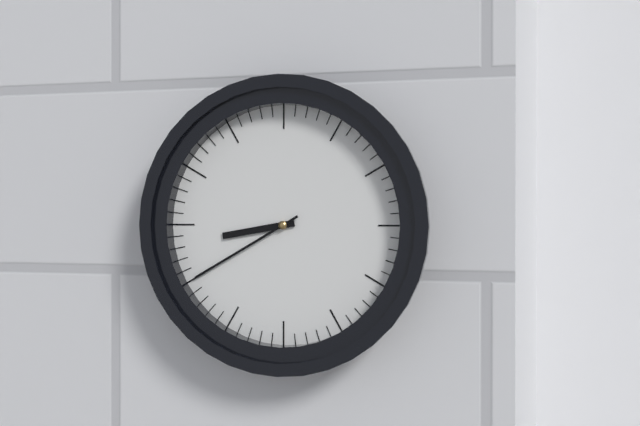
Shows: 8:40
